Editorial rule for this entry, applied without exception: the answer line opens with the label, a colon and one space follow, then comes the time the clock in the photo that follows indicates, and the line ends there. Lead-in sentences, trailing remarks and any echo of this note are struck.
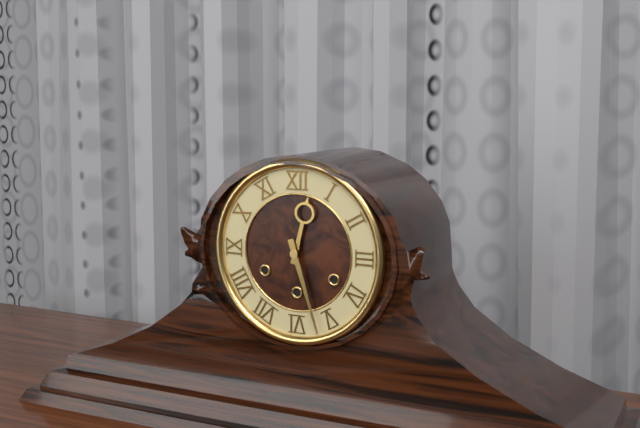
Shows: 12:27
